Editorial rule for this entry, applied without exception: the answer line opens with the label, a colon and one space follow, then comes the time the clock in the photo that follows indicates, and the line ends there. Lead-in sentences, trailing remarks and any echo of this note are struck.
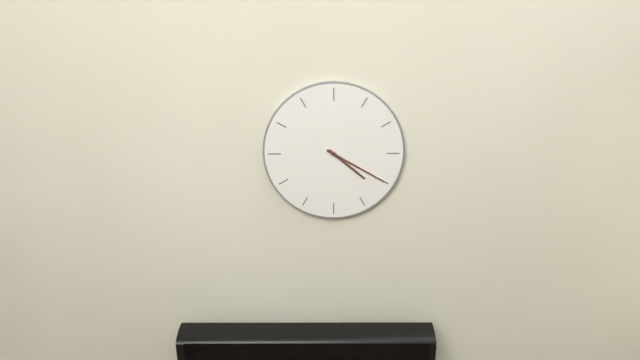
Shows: 4:20
